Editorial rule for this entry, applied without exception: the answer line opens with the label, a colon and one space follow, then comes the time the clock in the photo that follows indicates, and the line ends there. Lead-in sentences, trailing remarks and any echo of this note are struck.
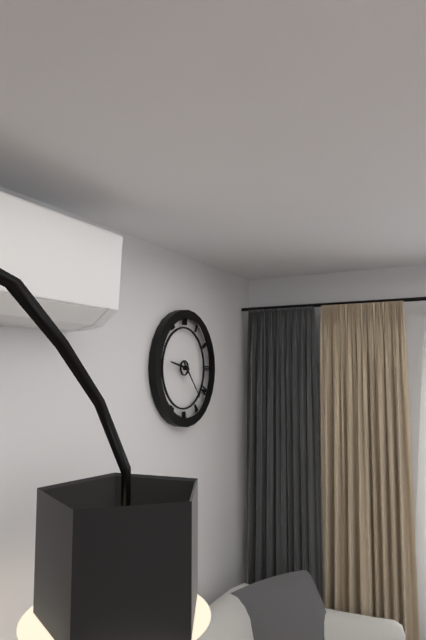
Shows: 9:23
